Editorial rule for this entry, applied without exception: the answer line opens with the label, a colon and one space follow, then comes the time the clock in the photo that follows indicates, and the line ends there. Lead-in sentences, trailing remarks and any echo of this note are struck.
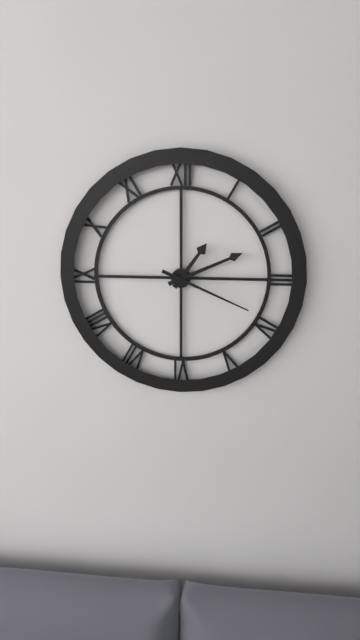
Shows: 1:11:19
